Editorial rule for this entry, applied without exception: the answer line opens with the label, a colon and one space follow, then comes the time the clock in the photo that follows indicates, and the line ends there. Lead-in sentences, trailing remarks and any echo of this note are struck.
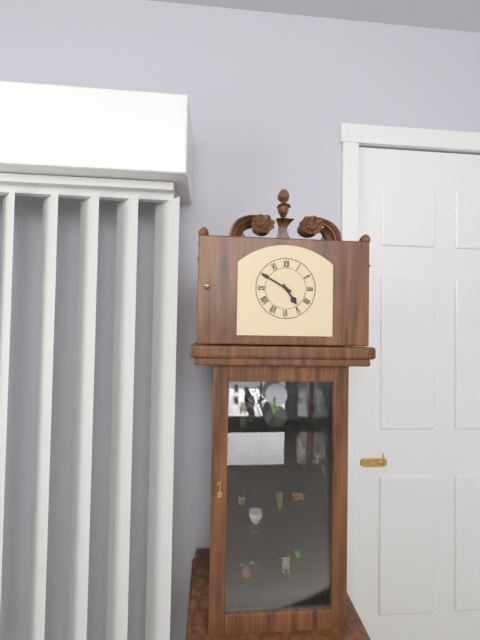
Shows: 4:50
